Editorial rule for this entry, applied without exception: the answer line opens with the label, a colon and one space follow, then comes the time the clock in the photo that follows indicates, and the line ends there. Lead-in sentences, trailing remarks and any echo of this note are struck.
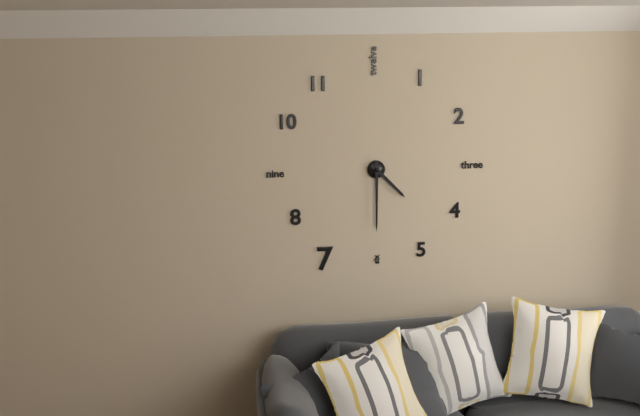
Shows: 4:30
